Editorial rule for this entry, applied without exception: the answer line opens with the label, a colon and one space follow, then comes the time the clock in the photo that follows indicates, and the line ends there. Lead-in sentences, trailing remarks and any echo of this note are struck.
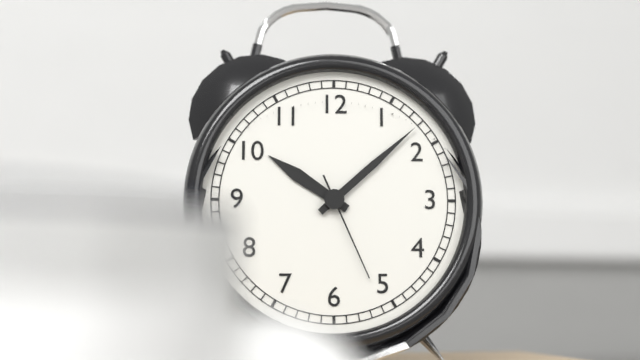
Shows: 10:08:26
